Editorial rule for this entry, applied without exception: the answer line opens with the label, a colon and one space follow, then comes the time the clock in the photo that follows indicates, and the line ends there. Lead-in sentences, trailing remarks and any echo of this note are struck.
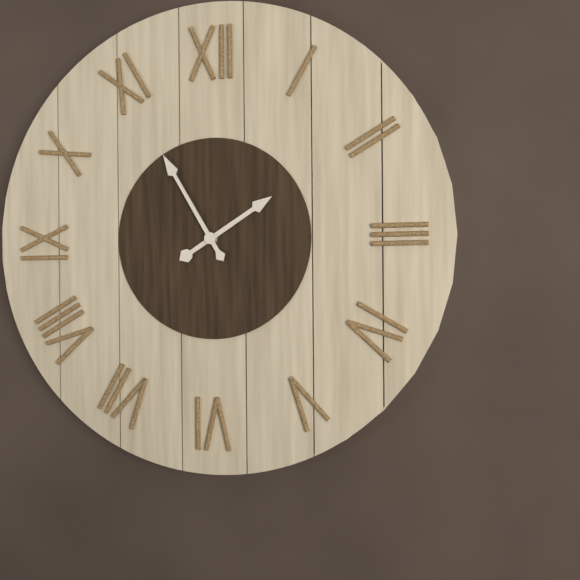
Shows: 1:55
